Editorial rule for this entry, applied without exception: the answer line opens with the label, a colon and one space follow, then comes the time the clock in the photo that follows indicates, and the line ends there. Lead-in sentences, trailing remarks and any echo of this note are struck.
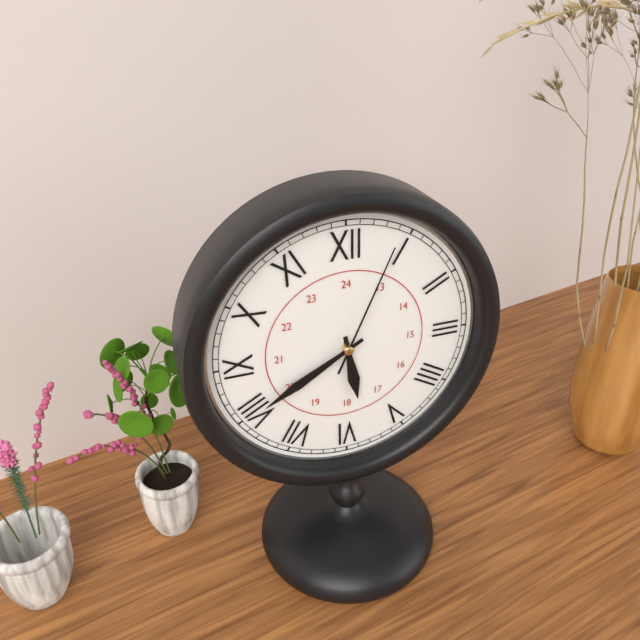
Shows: 5:40:04
